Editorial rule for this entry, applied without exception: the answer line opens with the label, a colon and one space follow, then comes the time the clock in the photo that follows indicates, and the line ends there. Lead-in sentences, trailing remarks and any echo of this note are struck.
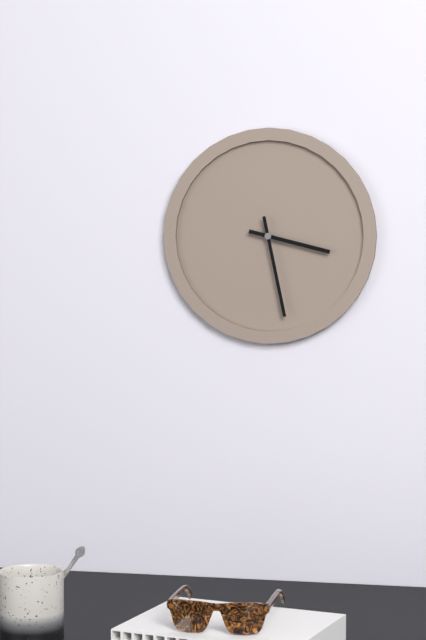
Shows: 3:28
